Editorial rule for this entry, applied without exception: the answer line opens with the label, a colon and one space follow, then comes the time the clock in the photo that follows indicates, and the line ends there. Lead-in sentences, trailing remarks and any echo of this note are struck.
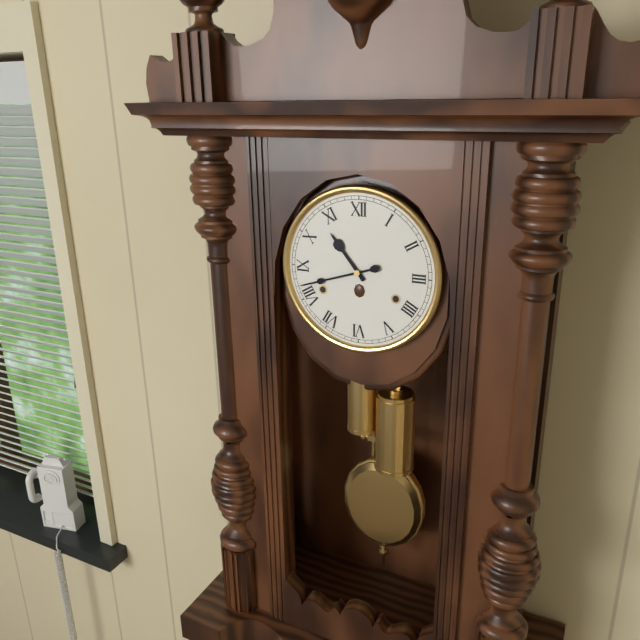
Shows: 10:42
